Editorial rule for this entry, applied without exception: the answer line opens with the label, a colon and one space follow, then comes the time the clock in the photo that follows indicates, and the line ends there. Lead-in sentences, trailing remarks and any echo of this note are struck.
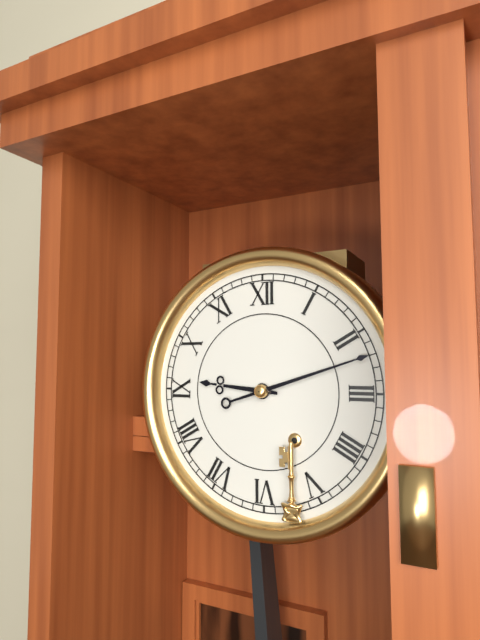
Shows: 9:12
